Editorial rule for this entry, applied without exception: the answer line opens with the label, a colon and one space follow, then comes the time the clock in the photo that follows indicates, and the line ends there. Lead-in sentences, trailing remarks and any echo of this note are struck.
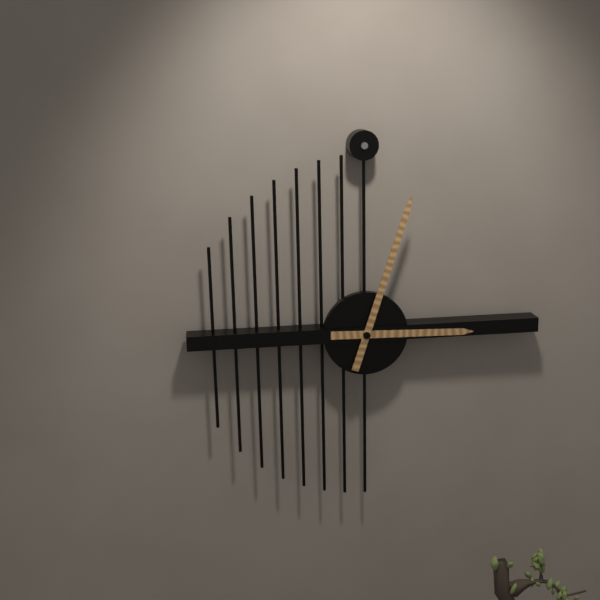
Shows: 3:03
